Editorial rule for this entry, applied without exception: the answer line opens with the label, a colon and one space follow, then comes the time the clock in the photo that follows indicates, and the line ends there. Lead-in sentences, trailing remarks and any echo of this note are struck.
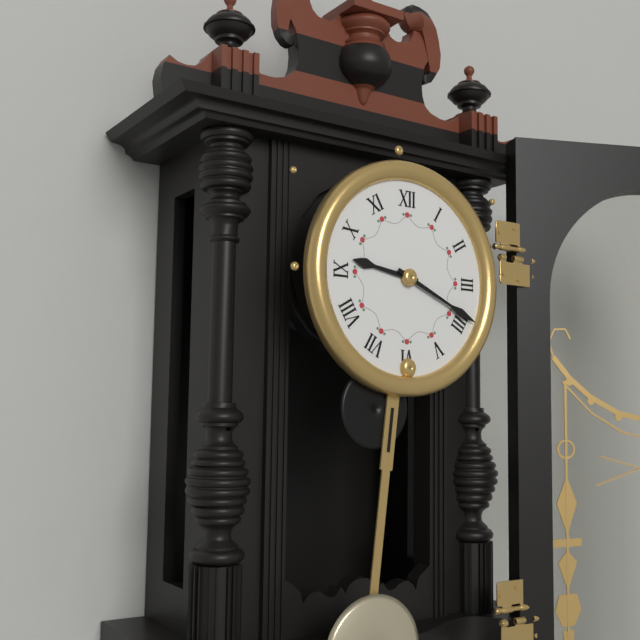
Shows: 9:19
